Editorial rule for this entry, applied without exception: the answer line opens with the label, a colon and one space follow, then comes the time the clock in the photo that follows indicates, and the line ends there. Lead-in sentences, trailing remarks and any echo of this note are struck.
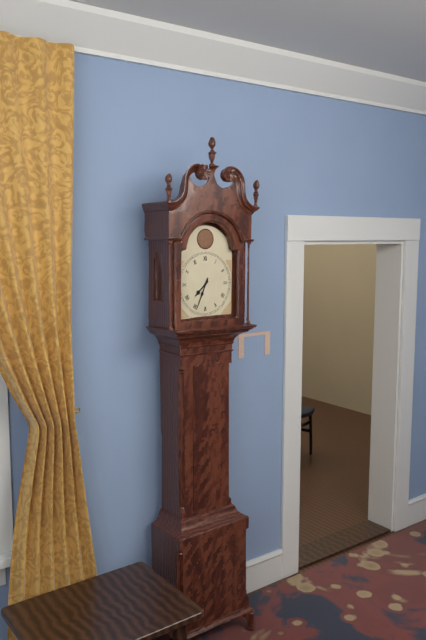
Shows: 7:34
